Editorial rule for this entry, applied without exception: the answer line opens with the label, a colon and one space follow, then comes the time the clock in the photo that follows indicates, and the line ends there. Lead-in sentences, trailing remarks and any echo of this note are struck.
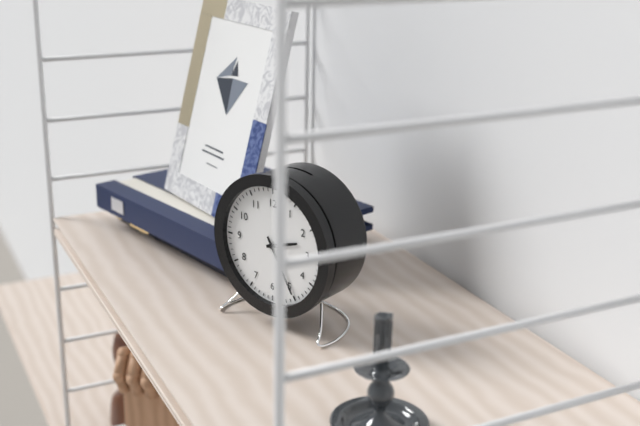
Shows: 2:25
